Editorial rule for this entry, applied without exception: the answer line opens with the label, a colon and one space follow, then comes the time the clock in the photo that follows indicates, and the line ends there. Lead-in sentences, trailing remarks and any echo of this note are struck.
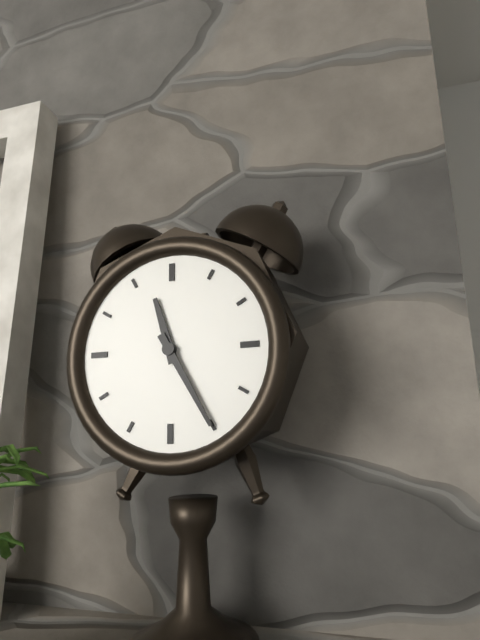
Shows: 11:25
